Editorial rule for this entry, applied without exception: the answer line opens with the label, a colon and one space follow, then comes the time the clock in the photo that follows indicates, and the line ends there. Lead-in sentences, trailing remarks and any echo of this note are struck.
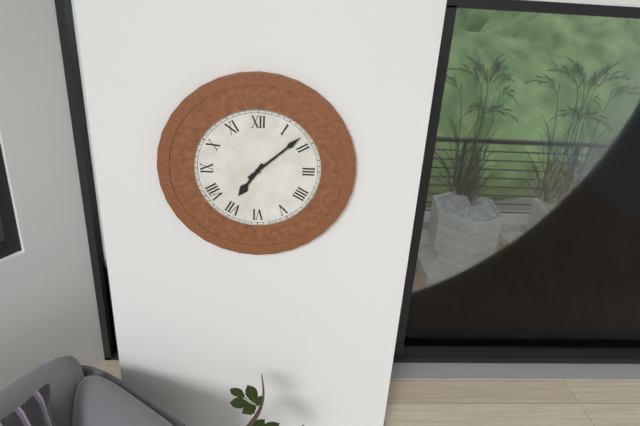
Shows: 7:08
